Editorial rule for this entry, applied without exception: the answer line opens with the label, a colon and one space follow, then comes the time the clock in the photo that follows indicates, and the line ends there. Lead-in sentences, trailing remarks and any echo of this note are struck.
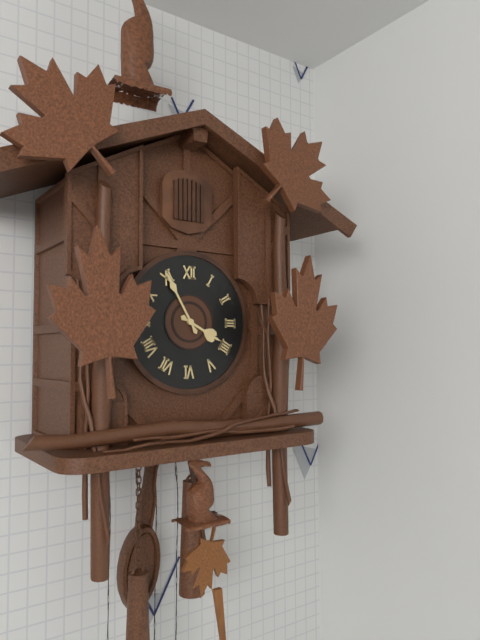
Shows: 3:55
